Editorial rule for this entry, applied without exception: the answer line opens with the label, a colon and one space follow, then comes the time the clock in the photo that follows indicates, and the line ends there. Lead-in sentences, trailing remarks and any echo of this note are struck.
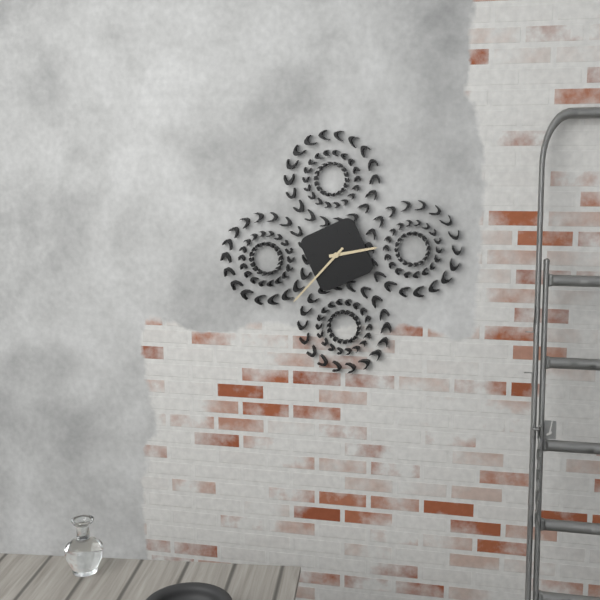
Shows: 2:37
